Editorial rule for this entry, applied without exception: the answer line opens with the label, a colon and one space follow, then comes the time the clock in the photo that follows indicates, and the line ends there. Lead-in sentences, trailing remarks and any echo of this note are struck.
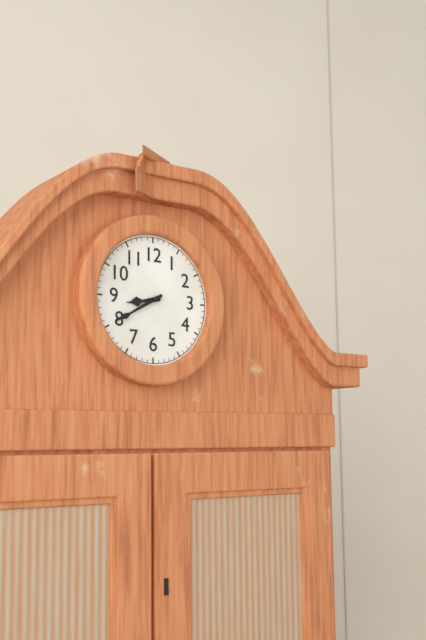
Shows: 8:40
